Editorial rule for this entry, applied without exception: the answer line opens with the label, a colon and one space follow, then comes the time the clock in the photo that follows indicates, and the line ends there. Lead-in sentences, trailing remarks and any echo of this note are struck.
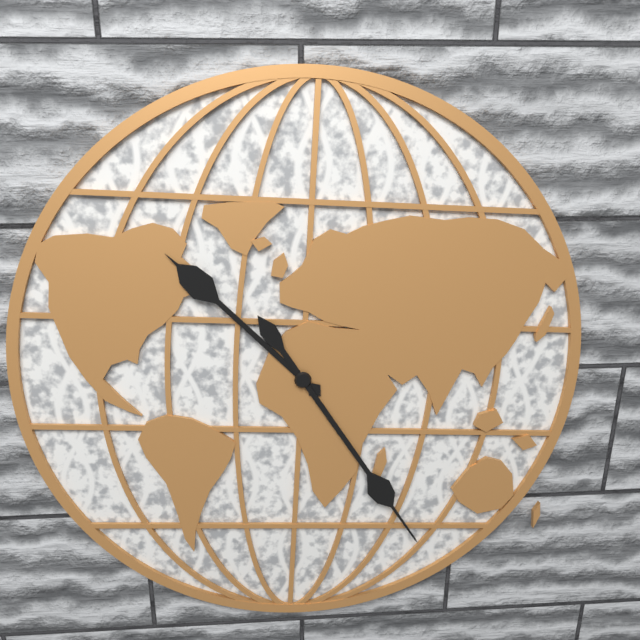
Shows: 10:24
